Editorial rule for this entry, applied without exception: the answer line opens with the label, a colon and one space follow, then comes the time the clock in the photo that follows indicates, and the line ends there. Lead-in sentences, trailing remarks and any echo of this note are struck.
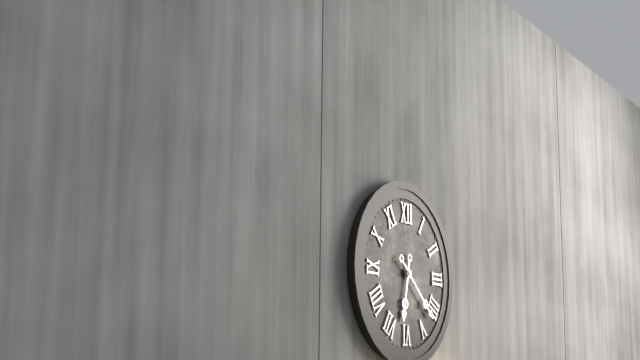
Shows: 6:22
